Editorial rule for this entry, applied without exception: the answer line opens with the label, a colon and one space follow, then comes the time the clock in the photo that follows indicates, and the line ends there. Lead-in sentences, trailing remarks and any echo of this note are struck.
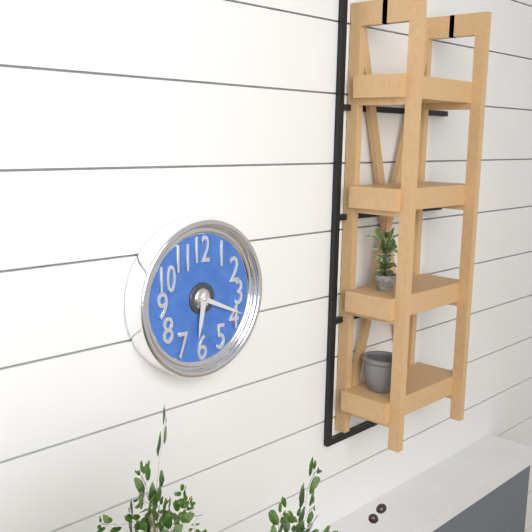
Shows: 6:19
